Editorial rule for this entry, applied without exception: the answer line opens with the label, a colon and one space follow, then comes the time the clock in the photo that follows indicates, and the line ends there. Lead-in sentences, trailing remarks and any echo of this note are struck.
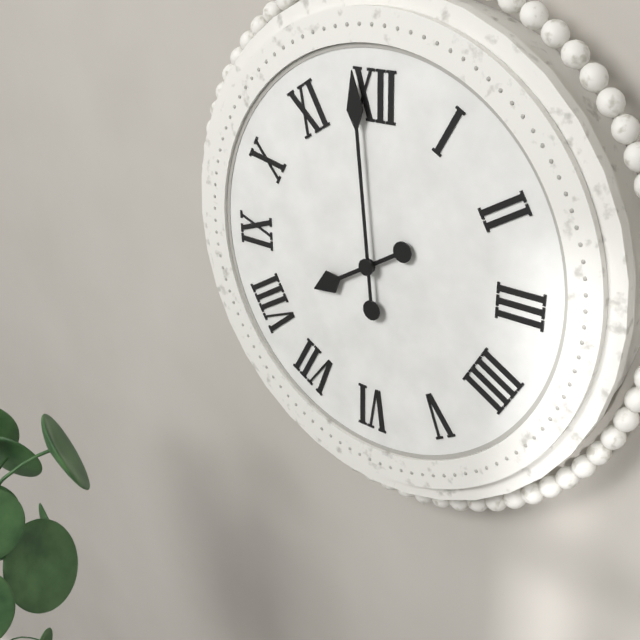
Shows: 7:59
